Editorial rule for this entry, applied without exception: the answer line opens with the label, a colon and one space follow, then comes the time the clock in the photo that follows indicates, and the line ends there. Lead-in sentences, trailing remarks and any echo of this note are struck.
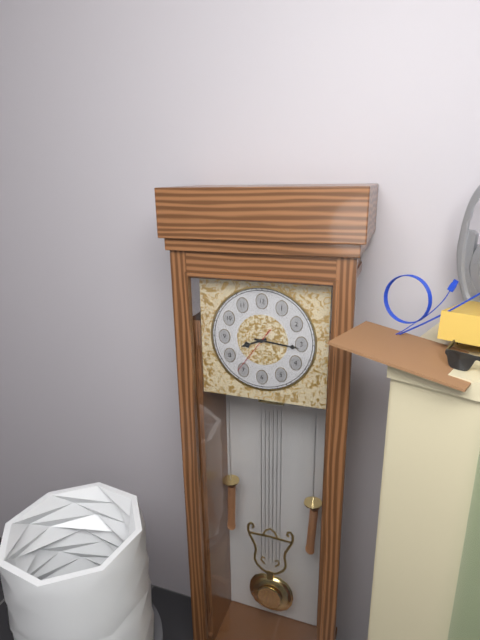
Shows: 8:16
